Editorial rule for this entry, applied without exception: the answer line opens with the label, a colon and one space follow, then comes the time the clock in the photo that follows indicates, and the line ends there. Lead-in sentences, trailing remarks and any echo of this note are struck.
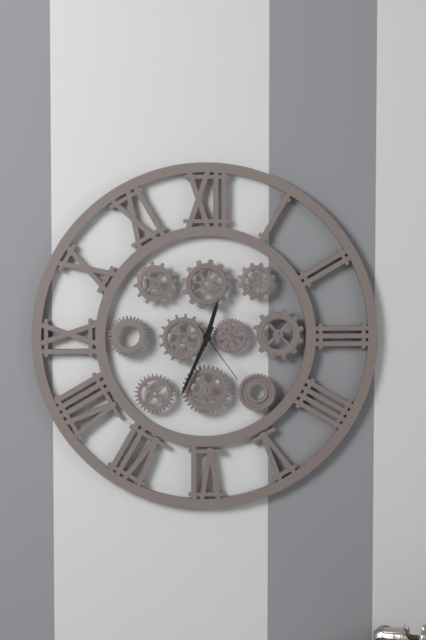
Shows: 12:34:24
